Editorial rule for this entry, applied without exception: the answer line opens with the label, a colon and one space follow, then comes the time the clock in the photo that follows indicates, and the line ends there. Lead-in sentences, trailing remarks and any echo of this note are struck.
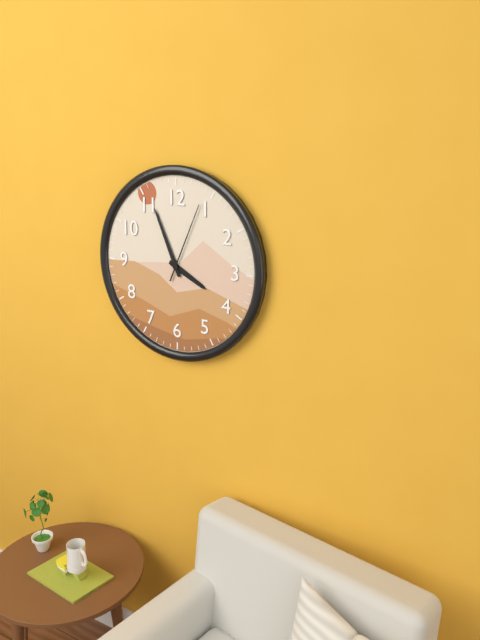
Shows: 3:56:04
